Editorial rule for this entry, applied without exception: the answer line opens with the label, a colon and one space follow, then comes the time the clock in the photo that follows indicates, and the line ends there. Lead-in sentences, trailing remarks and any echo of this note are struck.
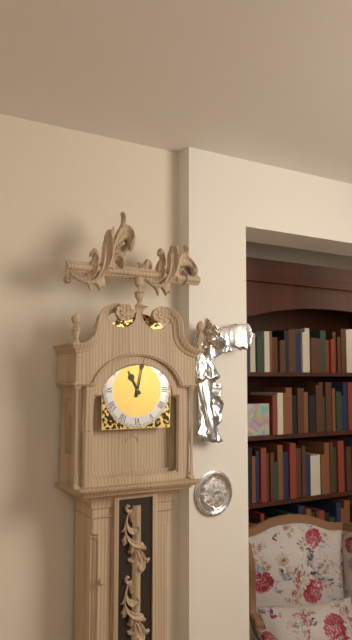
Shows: 11:02
